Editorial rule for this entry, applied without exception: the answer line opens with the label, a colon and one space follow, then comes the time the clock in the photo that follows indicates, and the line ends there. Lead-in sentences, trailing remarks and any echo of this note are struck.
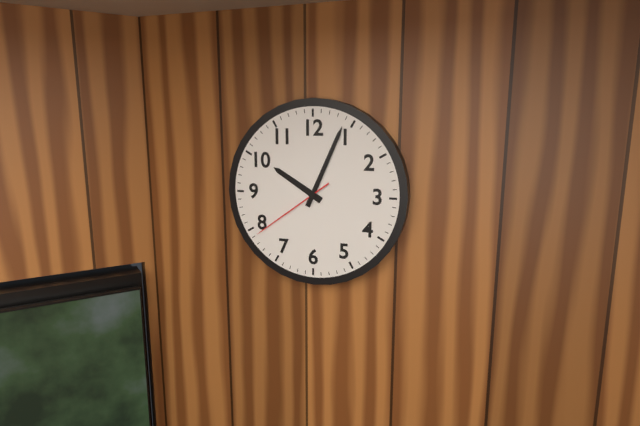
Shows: 10:04:39
